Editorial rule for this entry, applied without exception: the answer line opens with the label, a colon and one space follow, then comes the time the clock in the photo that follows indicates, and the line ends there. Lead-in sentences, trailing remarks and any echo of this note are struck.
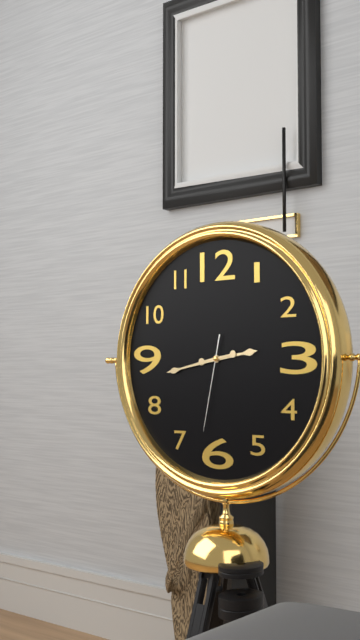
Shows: 2:43:32
